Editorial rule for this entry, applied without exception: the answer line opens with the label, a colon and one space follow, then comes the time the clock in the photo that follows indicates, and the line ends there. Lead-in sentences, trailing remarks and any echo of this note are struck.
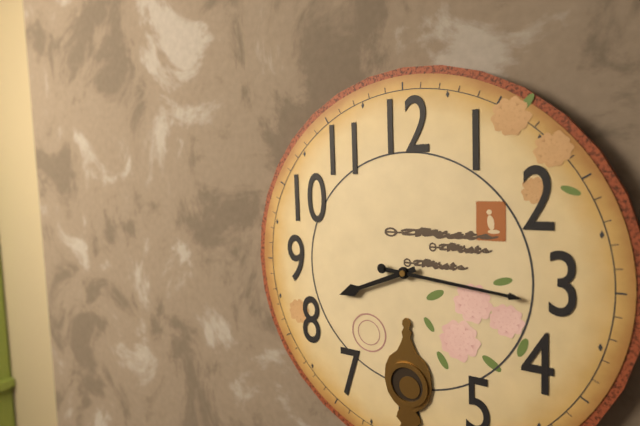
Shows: 8:16
